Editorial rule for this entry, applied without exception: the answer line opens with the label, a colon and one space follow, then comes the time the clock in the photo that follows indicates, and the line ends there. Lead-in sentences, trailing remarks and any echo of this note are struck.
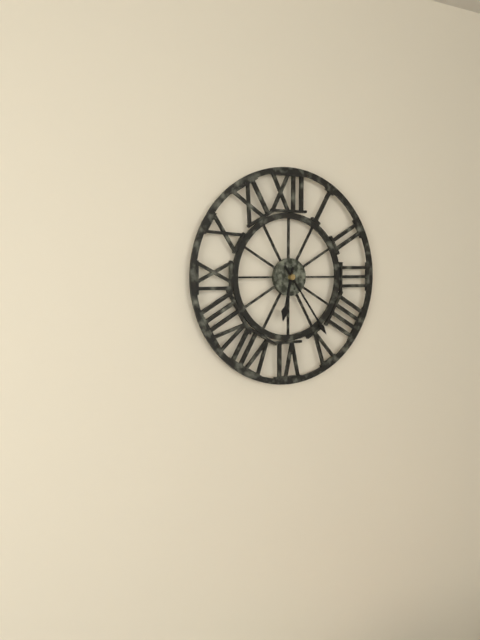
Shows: 6:24
